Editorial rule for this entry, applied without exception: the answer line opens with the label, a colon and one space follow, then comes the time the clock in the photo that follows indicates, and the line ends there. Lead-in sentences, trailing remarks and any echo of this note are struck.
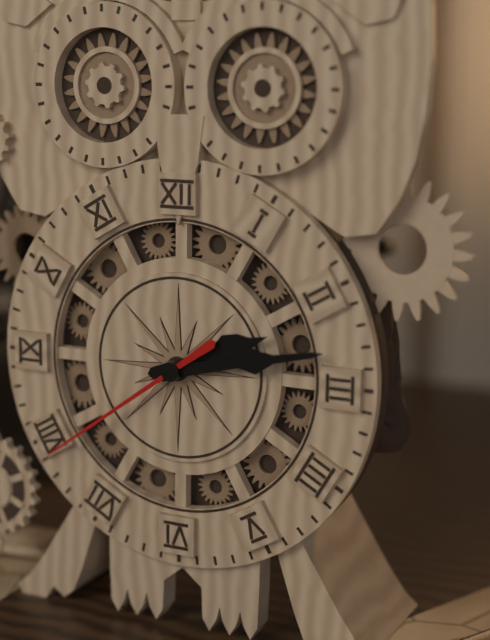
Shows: 2:13:39
